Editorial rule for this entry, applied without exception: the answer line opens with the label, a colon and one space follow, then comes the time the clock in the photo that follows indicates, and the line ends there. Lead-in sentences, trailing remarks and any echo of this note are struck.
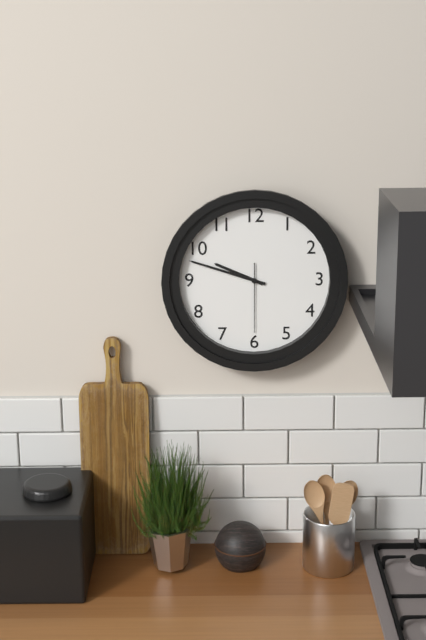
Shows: 9:48:30
